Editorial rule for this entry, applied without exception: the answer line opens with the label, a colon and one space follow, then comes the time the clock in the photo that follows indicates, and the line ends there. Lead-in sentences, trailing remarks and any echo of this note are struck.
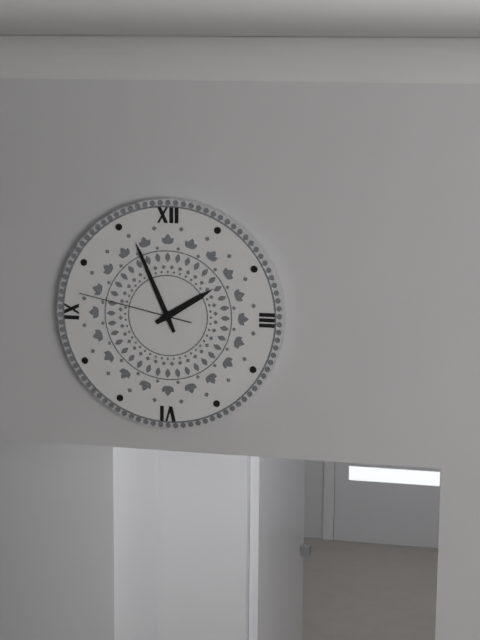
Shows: 1:56:47
